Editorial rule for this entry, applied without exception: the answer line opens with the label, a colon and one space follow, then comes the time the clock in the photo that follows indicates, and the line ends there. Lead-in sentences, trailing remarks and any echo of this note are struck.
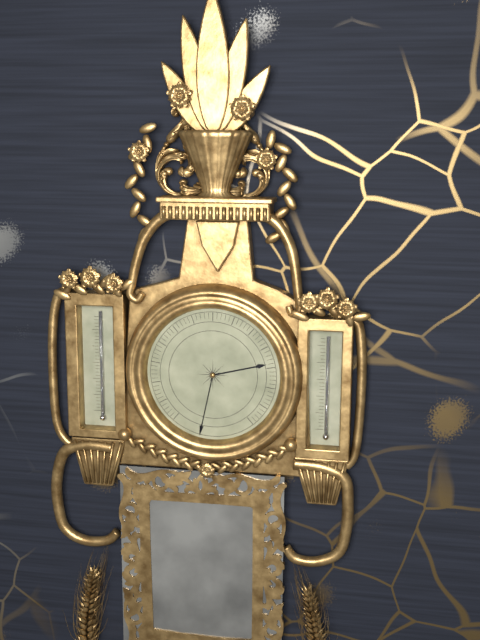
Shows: 2:32
